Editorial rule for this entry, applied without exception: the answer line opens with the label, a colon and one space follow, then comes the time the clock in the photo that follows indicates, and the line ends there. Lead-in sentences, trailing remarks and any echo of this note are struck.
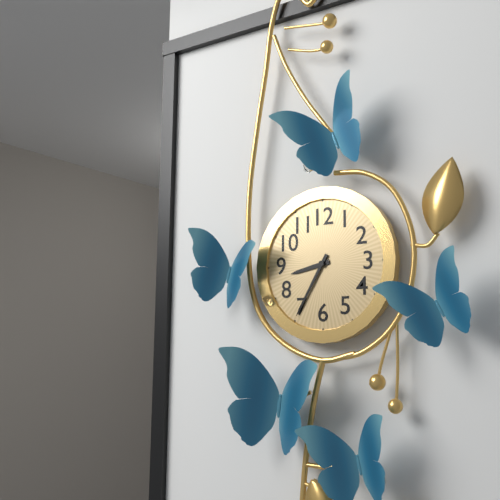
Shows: 8:35
